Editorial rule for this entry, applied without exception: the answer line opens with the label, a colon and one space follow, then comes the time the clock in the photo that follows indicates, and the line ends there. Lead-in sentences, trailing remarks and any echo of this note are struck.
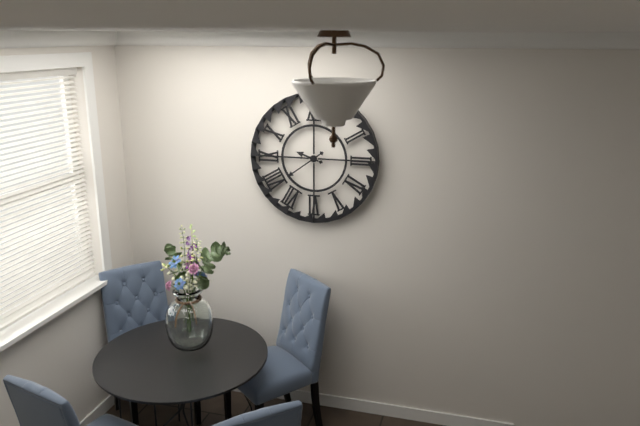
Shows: 9:39
